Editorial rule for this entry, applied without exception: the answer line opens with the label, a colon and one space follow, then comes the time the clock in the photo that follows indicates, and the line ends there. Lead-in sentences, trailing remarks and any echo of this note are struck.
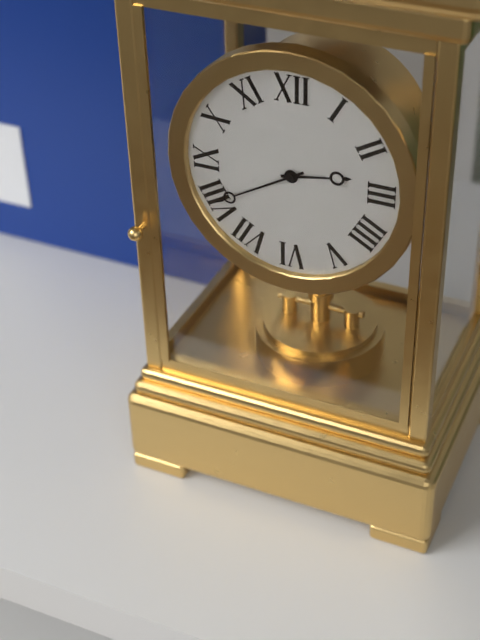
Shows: 2:40
